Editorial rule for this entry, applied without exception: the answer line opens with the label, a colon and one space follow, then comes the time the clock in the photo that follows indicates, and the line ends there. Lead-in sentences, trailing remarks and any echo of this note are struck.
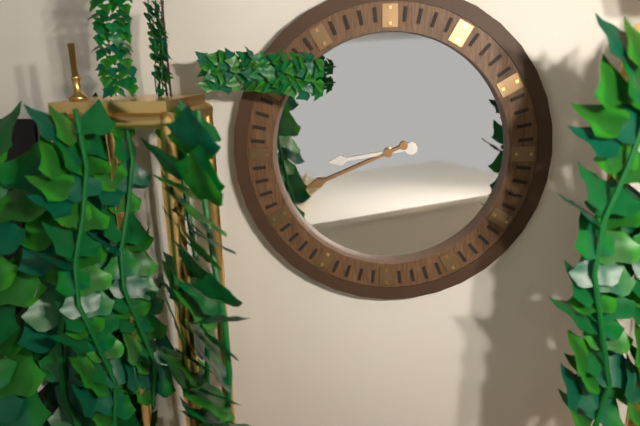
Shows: 8:41
